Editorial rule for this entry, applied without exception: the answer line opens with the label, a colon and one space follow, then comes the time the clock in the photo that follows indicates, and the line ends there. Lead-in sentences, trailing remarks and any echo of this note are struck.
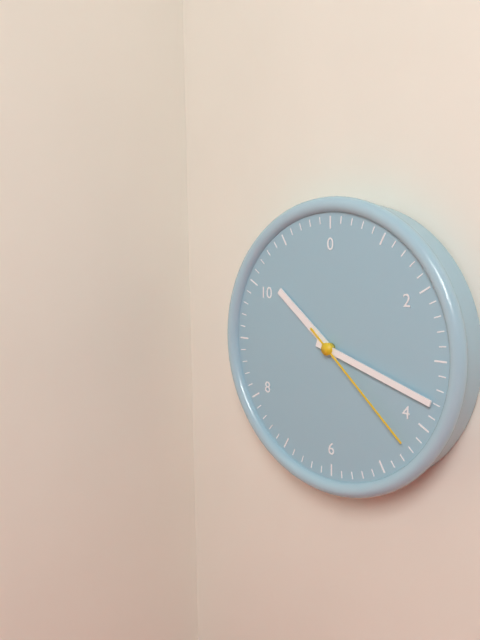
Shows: 10:18:22
